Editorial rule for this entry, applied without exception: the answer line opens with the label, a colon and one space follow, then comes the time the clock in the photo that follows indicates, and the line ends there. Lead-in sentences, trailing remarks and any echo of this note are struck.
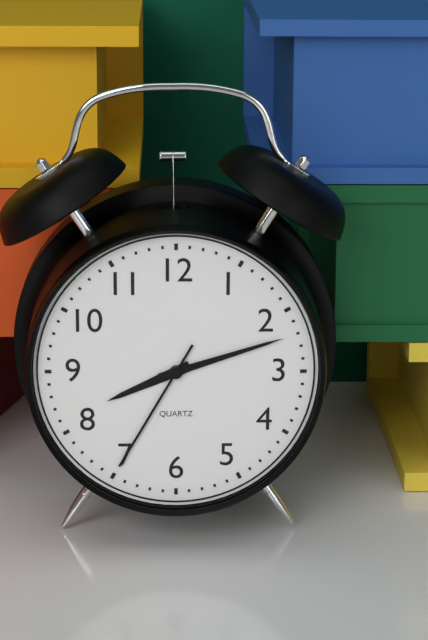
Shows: 8:12:35
